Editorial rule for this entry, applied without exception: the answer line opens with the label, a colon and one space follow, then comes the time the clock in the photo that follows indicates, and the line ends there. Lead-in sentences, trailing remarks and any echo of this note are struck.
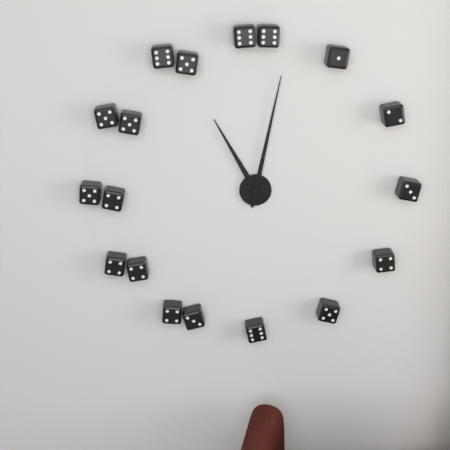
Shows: 11:02
